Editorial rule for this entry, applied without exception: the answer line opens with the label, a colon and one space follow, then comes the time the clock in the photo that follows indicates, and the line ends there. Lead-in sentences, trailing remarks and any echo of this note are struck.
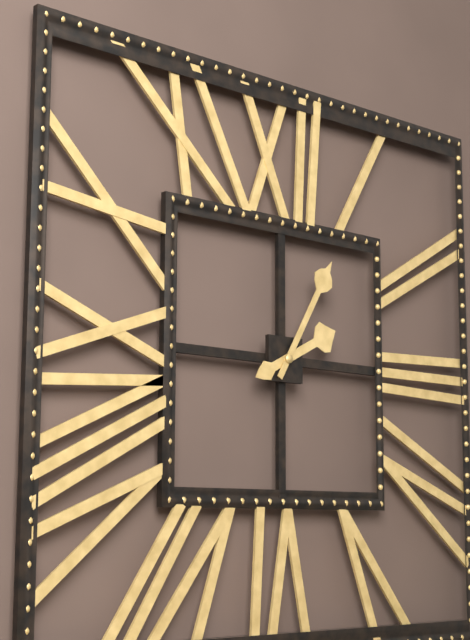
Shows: 2:05
